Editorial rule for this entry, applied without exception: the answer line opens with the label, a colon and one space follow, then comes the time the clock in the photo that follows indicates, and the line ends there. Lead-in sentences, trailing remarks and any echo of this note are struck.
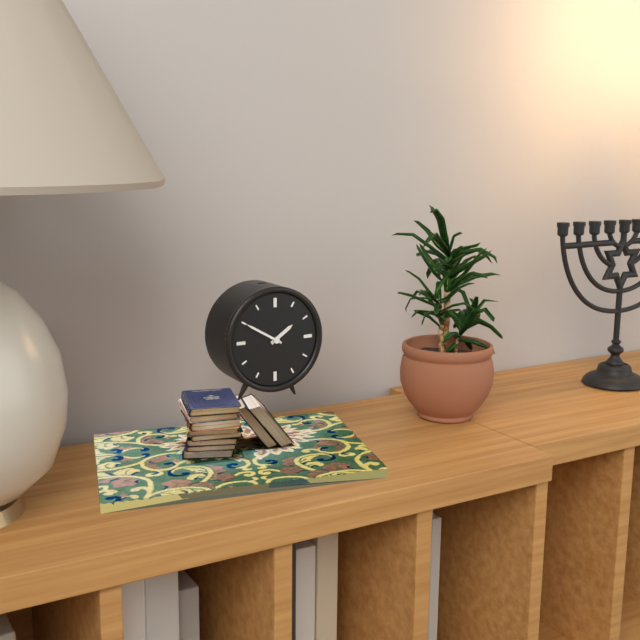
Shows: 1:50
